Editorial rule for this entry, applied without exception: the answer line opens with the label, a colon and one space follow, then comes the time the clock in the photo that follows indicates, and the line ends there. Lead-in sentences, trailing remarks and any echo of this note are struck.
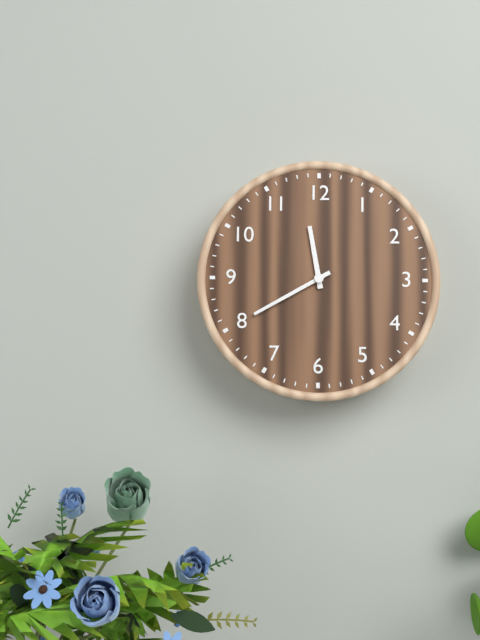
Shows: 11:40
